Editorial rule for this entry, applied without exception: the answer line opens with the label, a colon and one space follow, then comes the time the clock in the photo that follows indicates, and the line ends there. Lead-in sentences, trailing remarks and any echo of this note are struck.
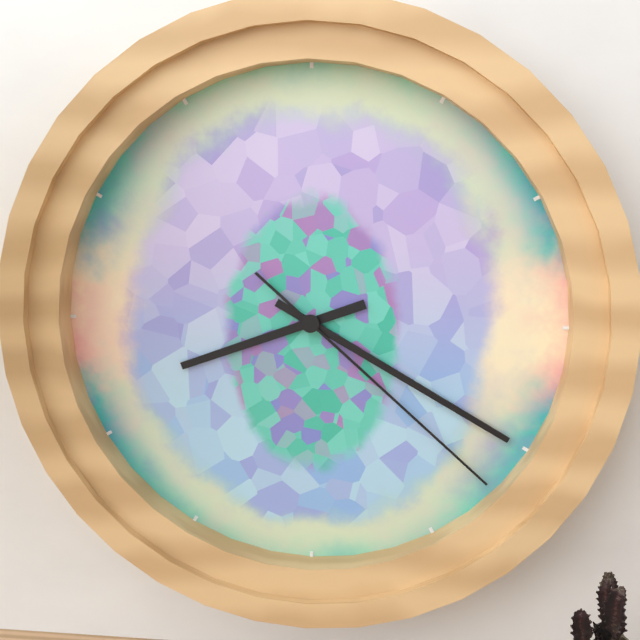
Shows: 8:20:22
